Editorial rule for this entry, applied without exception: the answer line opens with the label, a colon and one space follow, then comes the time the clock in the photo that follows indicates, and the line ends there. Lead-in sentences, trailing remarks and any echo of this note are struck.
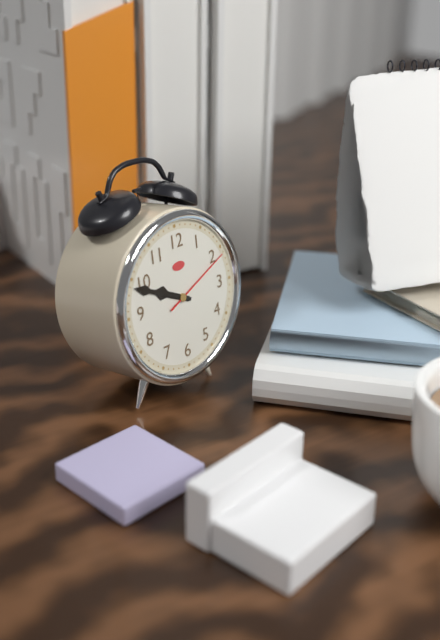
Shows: 9:49:11
